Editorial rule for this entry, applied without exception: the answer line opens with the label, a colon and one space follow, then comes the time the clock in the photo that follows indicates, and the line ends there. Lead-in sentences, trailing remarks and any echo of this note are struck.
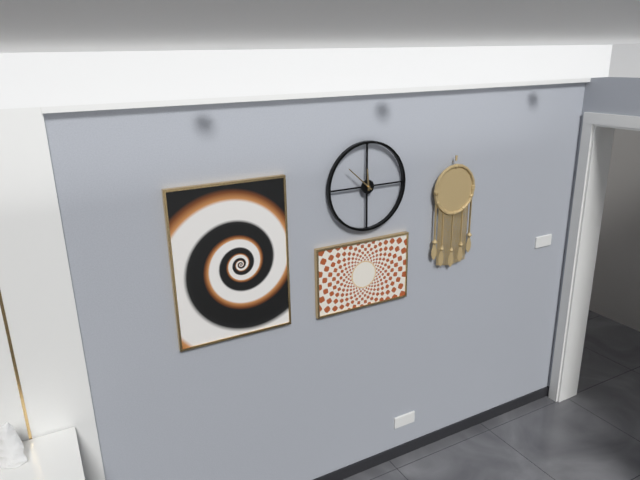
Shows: 11:52
